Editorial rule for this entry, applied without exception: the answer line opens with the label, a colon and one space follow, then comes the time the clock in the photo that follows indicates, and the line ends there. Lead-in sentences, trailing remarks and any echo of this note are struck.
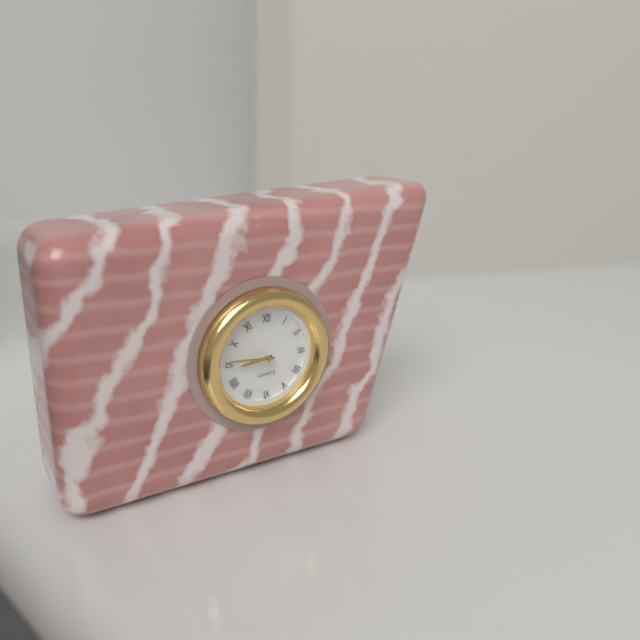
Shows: 8:46
